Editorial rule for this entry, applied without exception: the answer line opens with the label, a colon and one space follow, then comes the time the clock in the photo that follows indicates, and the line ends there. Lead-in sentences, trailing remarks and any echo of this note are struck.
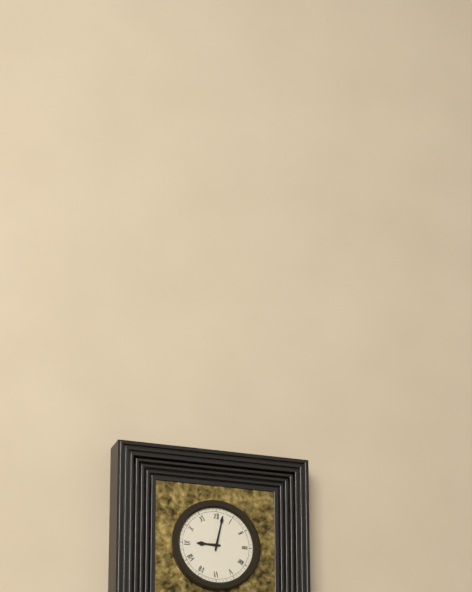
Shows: 9:02
